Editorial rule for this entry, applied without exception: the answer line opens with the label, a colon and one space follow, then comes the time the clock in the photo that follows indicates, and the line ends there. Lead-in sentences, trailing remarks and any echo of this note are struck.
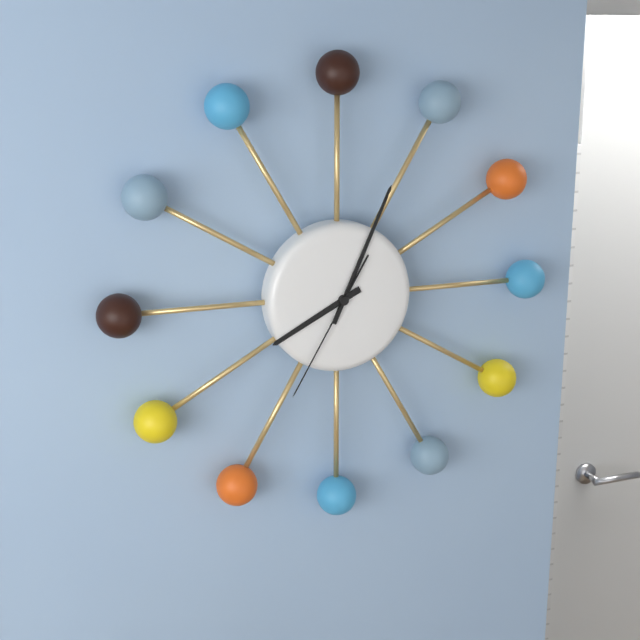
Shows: 8:04:35
